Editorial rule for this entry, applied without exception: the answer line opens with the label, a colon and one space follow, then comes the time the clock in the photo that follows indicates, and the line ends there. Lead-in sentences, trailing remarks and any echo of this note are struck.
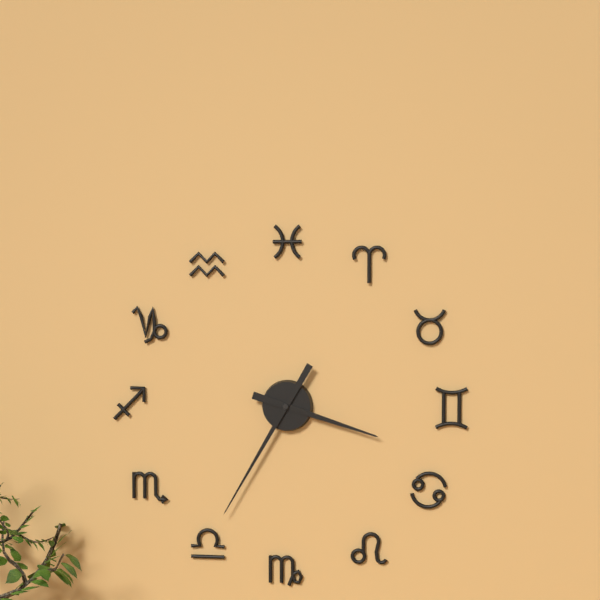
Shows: 3:35
